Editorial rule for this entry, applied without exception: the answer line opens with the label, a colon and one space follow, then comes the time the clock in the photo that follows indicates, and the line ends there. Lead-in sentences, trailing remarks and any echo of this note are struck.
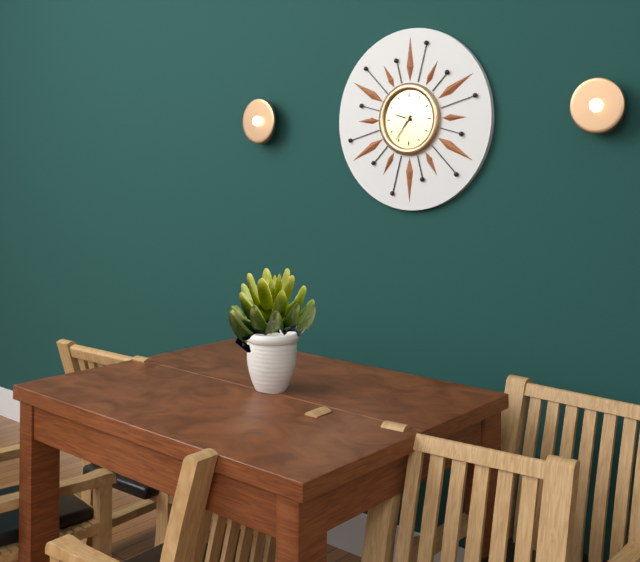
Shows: 9:36
